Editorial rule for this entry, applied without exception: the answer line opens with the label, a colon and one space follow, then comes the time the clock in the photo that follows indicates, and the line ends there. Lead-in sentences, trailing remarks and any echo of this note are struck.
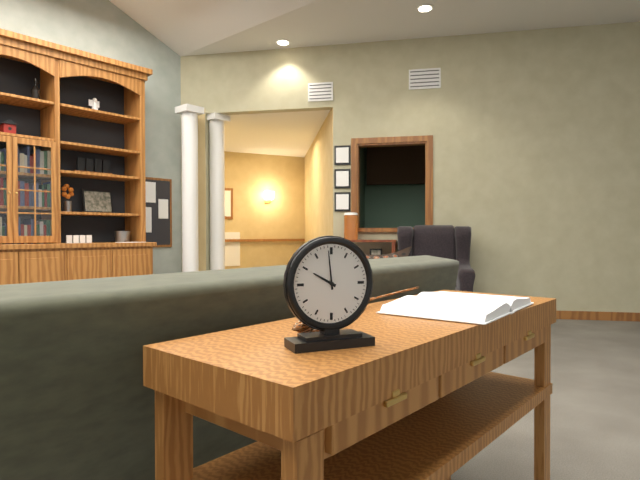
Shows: 9:59
